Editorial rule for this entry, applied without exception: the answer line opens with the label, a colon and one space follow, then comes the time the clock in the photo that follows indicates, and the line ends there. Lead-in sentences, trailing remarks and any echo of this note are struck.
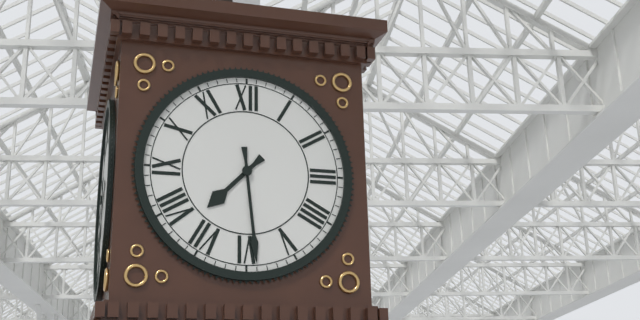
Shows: 7:29
